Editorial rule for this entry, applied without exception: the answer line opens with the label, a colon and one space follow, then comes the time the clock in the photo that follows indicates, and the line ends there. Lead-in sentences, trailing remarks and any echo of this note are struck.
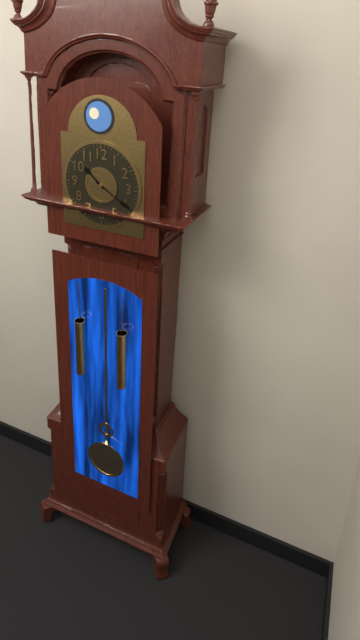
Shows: 10:20
